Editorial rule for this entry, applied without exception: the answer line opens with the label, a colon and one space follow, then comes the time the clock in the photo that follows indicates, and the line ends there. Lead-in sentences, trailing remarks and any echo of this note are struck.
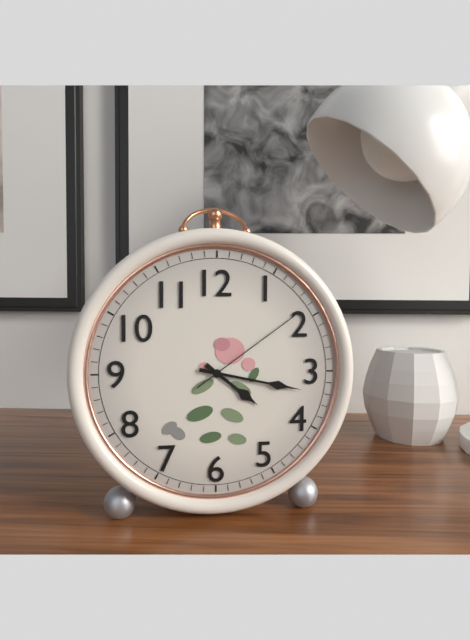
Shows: 4:17:09
